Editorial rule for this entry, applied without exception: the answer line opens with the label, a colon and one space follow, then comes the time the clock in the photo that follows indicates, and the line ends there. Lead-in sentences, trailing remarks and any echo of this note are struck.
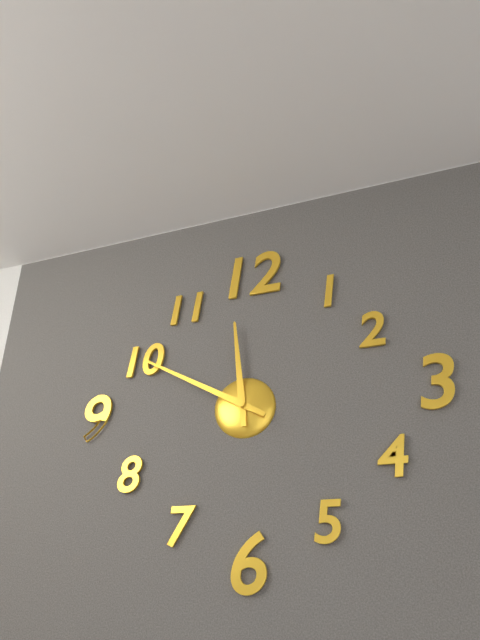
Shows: 11:50
